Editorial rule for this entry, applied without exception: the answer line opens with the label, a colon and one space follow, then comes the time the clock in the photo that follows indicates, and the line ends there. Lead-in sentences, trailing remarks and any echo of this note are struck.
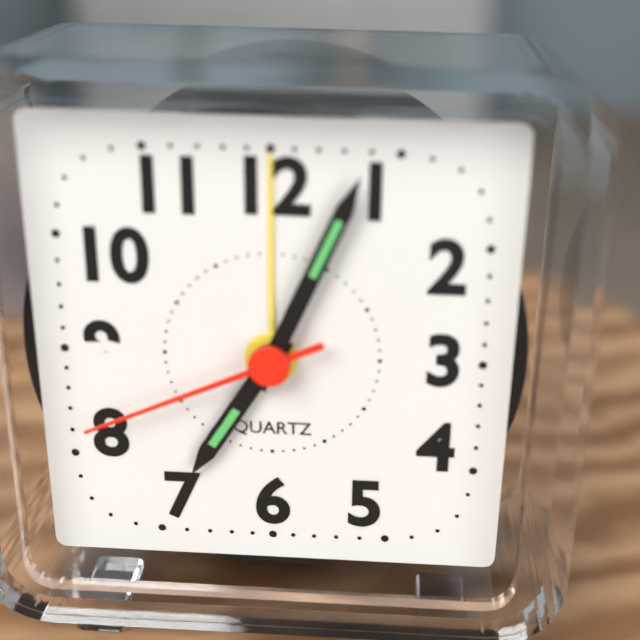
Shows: 7:04:41
